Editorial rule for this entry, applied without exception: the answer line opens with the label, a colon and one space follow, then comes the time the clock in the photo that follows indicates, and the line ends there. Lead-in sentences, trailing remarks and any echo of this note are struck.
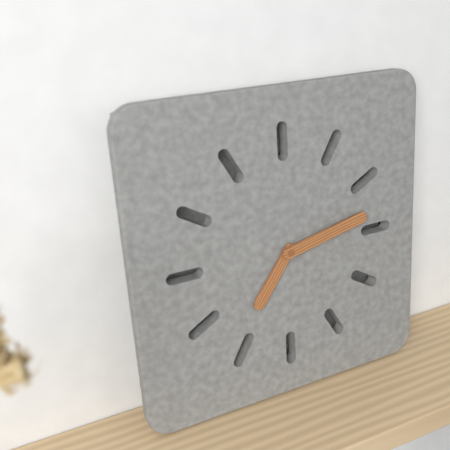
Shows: 7:13
